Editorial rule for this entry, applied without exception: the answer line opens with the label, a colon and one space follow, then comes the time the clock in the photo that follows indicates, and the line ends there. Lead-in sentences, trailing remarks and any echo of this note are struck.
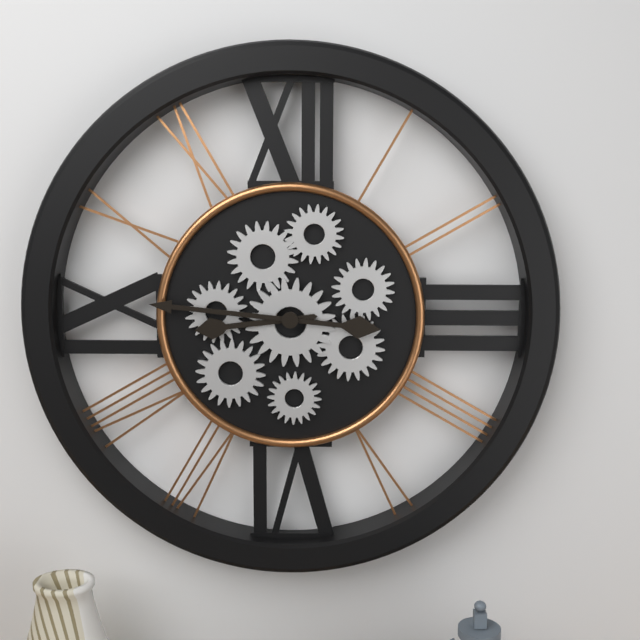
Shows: 8:46
